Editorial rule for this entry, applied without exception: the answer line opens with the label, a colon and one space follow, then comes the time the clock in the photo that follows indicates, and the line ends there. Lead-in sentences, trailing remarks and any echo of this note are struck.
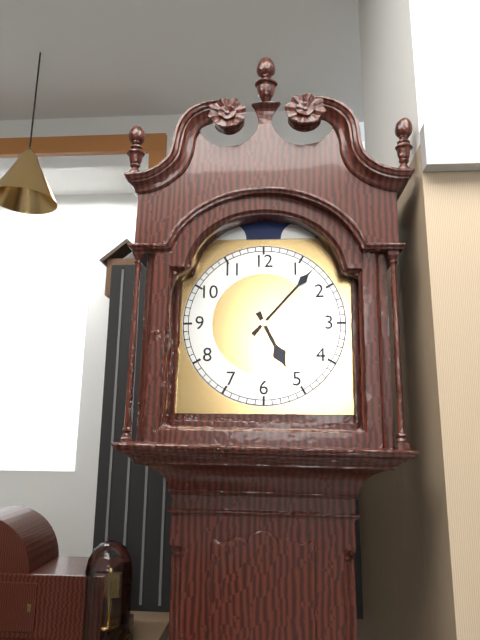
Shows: 5:07
